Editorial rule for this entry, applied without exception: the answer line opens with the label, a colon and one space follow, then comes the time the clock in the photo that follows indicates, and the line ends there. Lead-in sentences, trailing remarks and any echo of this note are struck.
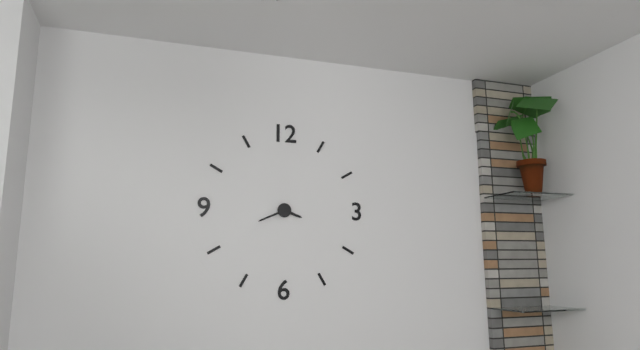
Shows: 3:41
